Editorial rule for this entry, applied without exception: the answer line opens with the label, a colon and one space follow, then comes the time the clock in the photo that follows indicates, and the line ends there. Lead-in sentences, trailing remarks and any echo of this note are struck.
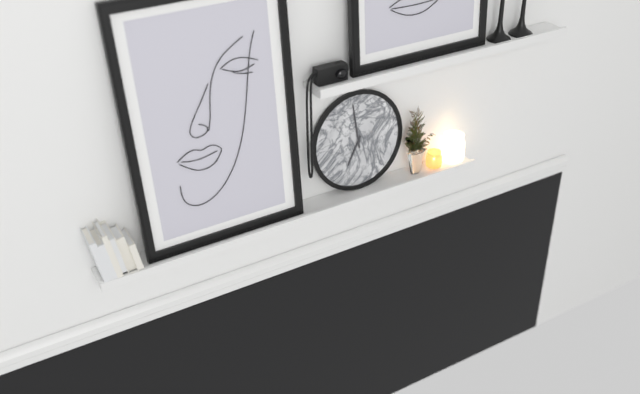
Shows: 6:59
